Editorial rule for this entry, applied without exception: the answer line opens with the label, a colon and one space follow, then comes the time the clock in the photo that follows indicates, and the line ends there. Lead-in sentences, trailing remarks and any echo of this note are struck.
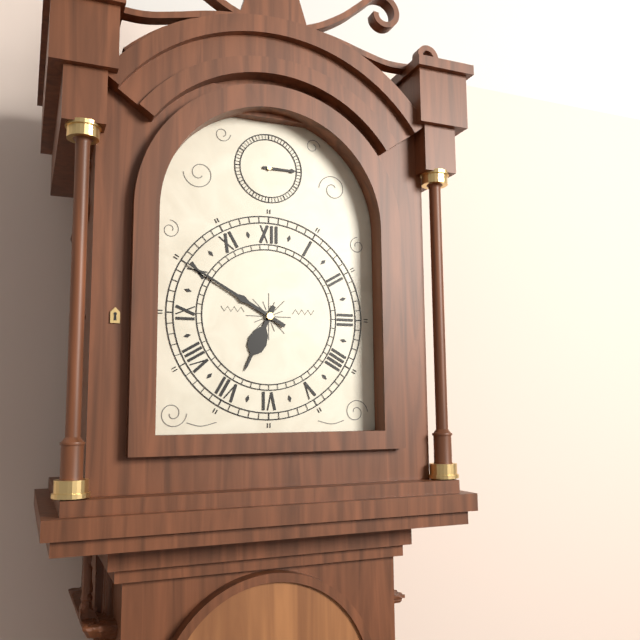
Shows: 6:50
